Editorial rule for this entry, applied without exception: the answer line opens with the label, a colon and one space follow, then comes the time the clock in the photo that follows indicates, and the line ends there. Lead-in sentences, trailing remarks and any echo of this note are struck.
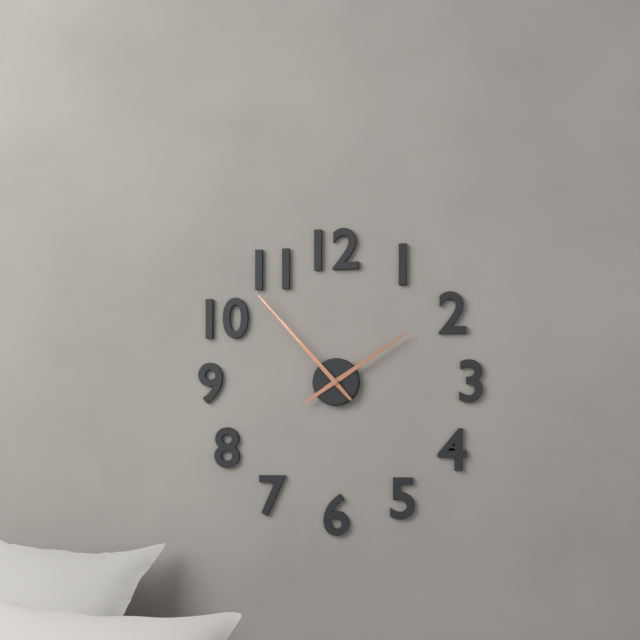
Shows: 1:53
